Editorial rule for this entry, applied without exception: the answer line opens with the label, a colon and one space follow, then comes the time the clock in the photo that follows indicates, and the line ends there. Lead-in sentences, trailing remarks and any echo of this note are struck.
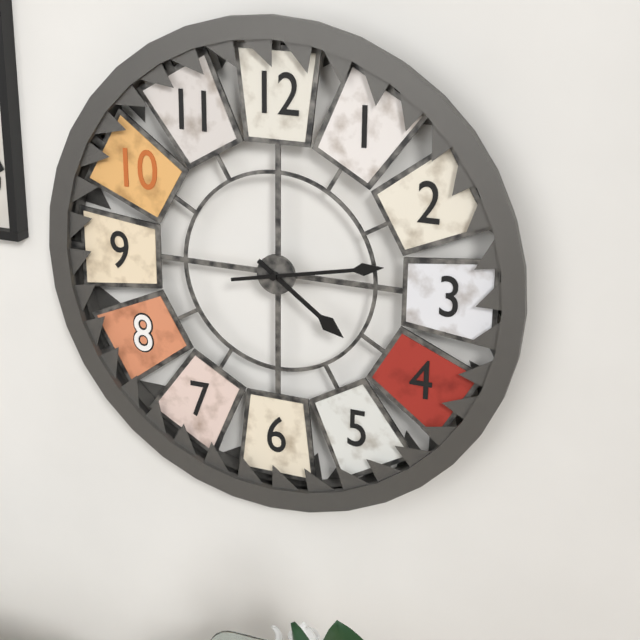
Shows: 4:13
